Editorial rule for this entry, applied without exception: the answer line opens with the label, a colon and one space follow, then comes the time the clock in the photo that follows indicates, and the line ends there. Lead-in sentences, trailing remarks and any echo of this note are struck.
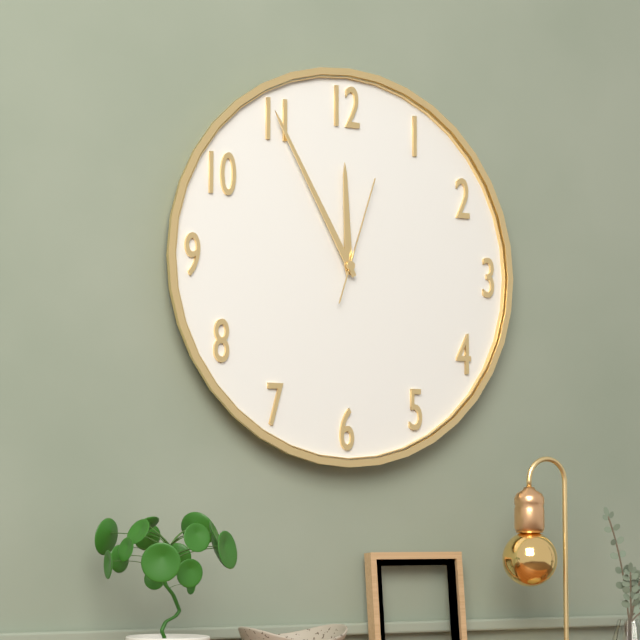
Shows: 11:55:03
